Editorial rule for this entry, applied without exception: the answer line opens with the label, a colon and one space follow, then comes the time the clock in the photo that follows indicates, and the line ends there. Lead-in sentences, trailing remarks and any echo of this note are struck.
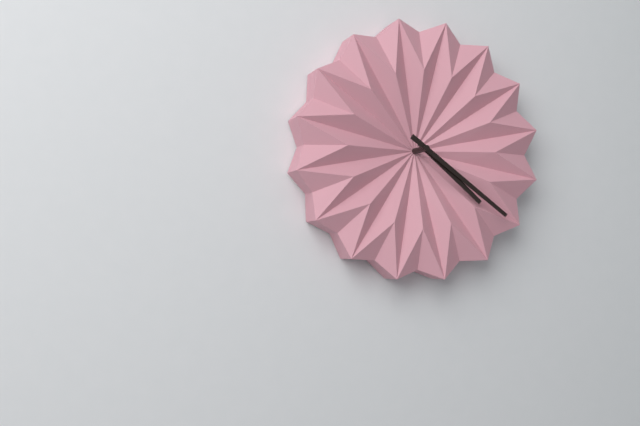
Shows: 4:21
